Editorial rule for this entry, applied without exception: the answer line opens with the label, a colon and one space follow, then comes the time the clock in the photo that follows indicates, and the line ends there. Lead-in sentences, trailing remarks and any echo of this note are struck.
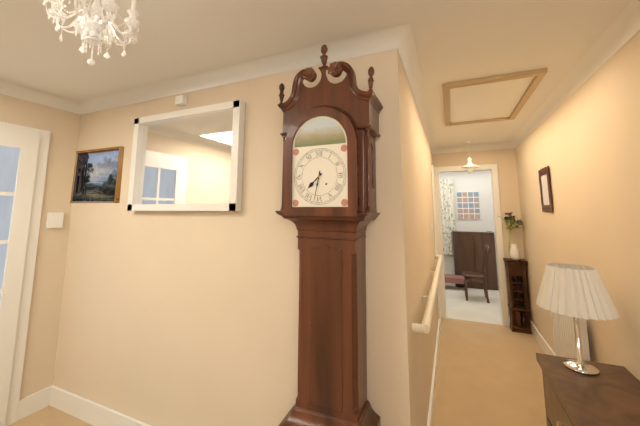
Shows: 7:32
